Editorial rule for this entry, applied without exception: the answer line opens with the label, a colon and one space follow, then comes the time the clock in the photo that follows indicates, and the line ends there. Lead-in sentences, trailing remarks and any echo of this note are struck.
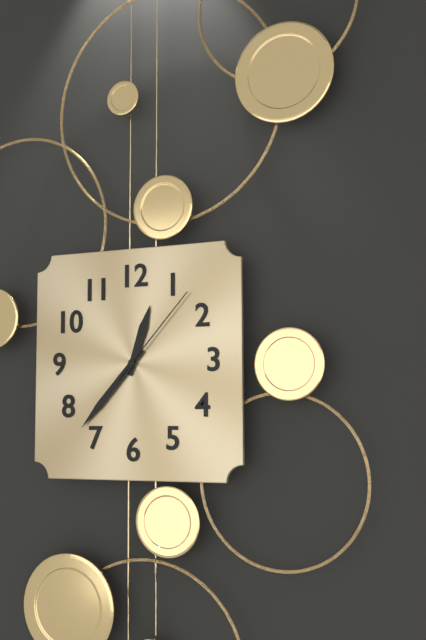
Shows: 12:37:07
